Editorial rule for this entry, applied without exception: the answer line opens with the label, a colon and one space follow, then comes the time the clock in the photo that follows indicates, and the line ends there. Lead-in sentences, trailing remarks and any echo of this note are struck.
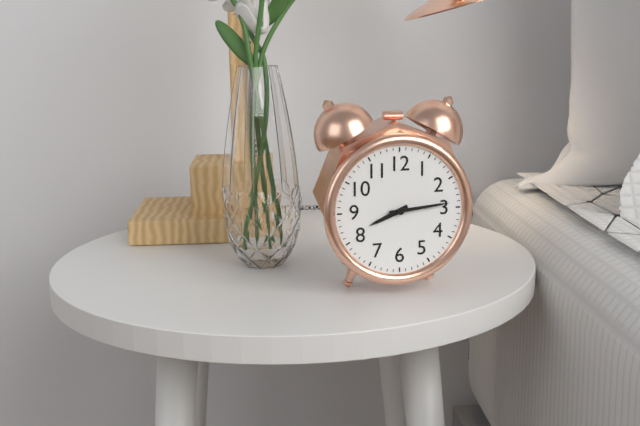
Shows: 8:14
